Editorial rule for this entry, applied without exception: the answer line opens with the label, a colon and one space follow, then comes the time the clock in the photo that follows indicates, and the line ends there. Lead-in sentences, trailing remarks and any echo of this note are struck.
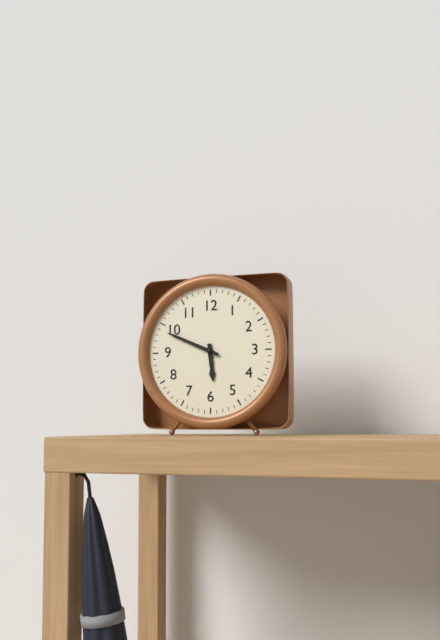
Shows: 5:49
